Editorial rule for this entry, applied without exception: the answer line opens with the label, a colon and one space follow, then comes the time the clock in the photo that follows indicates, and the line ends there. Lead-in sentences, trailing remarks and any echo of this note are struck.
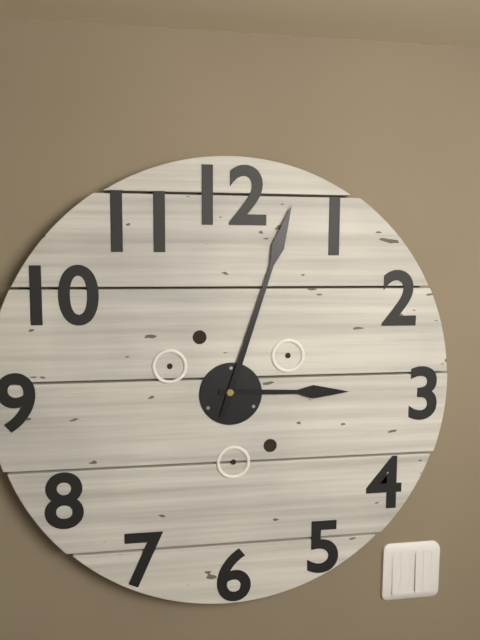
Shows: 3:03
